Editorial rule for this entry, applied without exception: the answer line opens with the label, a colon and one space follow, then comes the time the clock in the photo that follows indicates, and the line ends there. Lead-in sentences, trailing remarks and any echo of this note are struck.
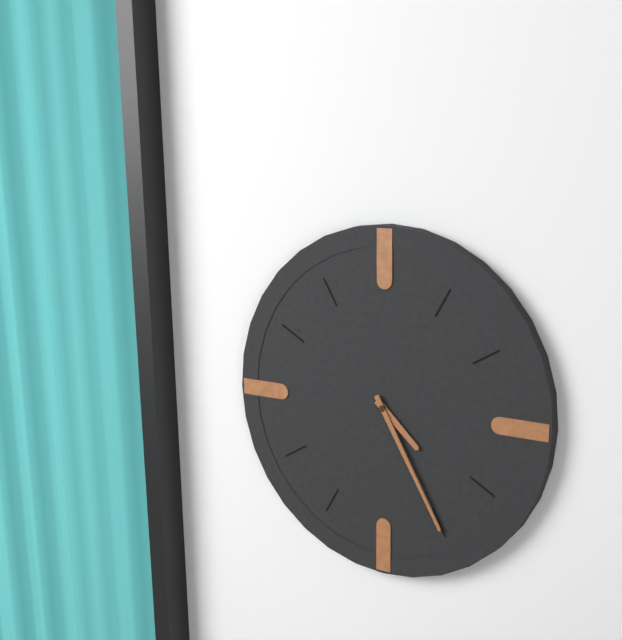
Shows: 4:25
